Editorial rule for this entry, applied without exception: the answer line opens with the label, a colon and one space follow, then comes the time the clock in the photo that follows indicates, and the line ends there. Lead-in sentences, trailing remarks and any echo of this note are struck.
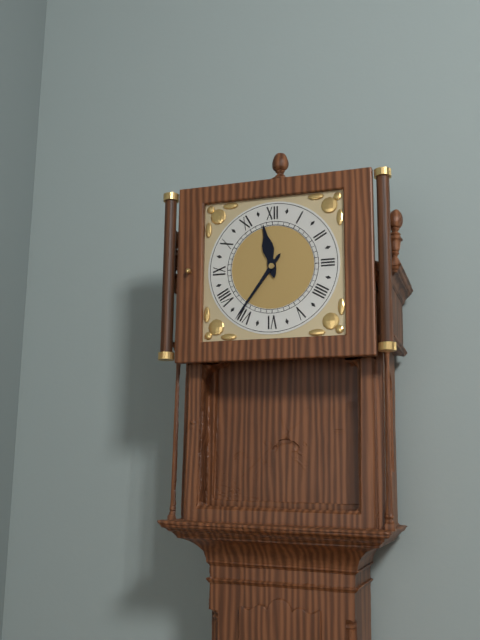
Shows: 11:36
